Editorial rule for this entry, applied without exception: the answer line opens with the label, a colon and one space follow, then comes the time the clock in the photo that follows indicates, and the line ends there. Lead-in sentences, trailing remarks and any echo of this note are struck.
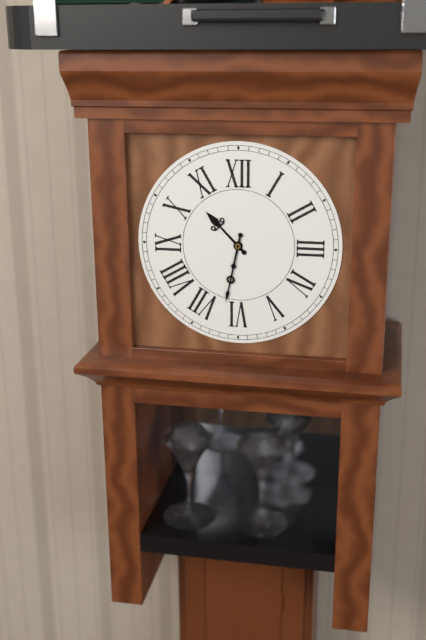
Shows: 10:32
